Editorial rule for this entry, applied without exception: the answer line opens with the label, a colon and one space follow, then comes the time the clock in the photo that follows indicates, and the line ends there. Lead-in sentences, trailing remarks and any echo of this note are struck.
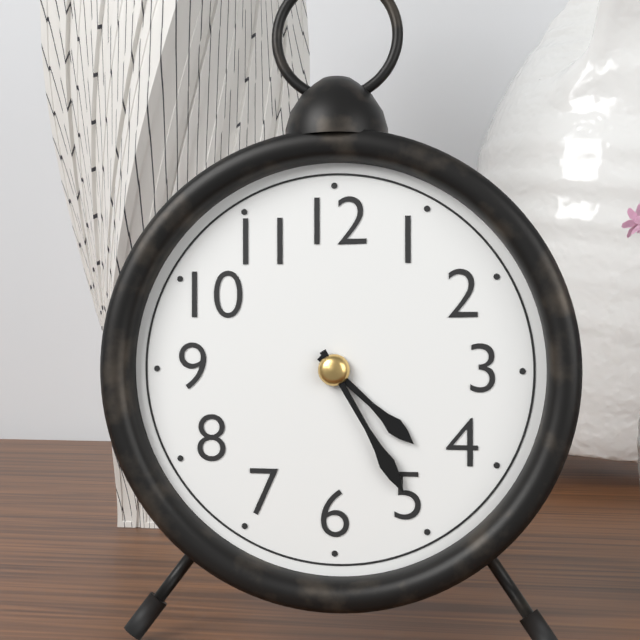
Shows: 4:25
